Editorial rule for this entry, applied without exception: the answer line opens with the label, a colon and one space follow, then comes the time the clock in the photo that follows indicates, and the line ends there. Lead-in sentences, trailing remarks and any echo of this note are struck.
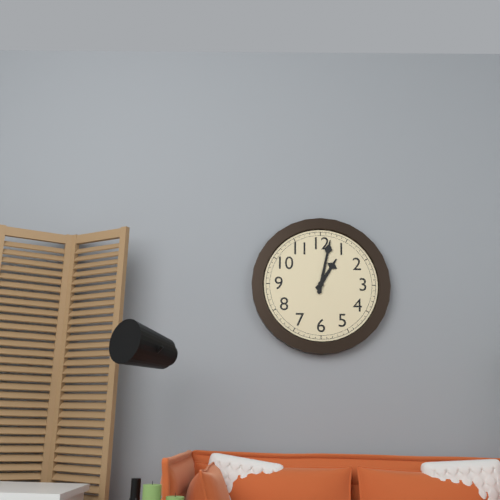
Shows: 1:02
